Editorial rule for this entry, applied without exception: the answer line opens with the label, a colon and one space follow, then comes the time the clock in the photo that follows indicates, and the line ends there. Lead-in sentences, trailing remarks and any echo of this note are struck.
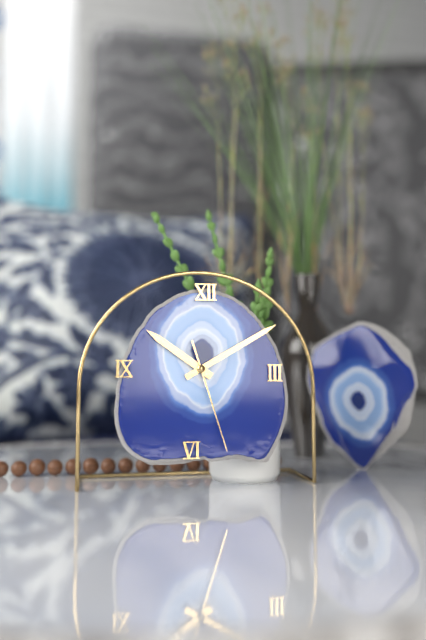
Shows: 10:10:27
